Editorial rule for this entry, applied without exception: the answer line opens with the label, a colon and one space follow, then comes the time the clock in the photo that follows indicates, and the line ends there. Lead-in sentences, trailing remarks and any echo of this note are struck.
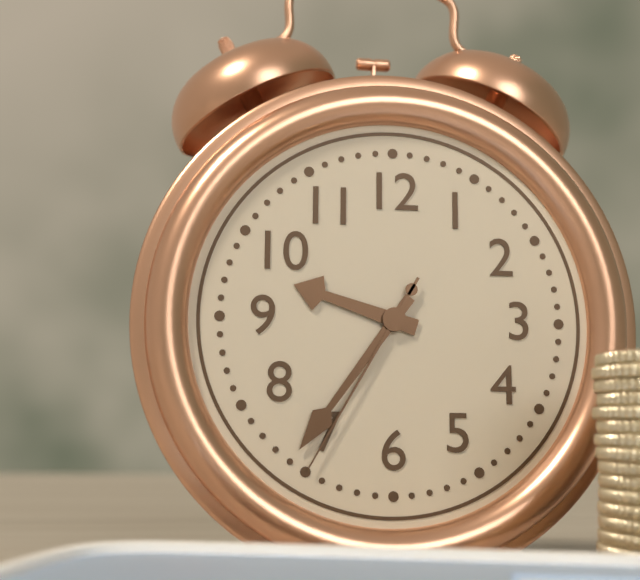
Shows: 9:36:35
